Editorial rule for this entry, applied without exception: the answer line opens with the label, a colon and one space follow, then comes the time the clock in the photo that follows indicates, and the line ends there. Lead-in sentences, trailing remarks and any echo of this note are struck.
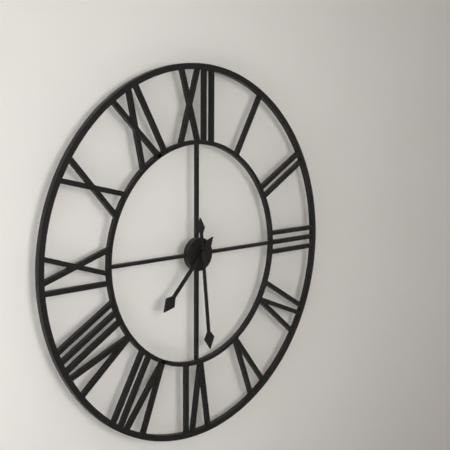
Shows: 7:29
